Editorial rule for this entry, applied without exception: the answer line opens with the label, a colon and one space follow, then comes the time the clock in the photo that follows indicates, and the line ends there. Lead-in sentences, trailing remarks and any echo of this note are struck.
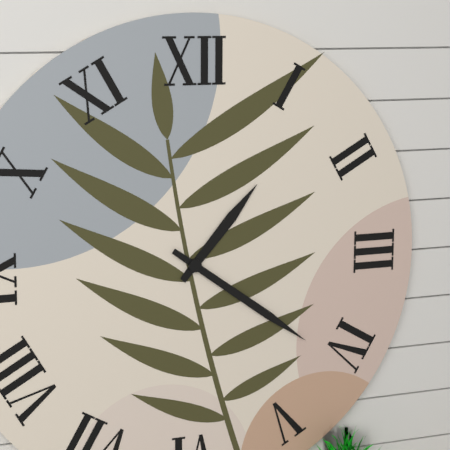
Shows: 1:21
